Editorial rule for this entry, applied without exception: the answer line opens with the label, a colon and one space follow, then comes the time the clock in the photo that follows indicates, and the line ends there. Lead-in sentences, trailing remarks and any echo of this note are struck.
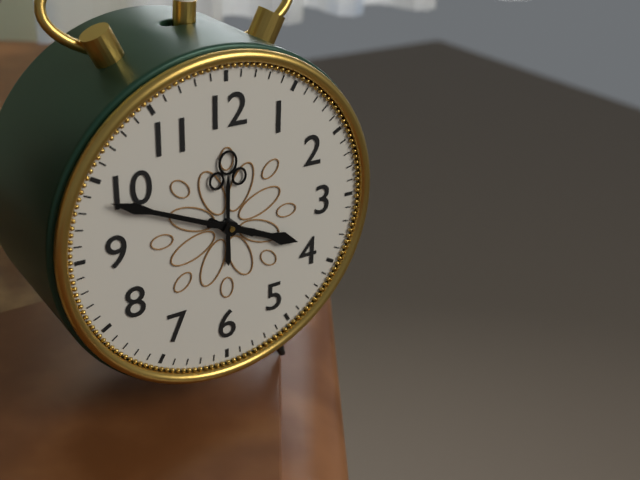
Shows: 3:49
